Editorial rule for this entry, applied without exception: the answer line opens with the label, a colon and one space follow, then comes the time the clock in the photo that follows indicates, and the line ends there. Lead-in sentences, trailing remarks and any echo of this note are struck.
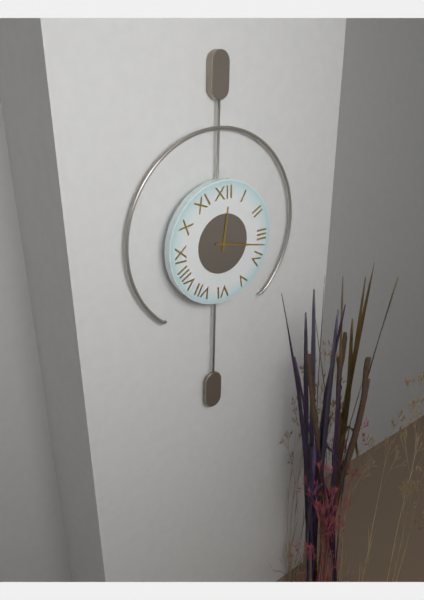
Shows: 12:17
